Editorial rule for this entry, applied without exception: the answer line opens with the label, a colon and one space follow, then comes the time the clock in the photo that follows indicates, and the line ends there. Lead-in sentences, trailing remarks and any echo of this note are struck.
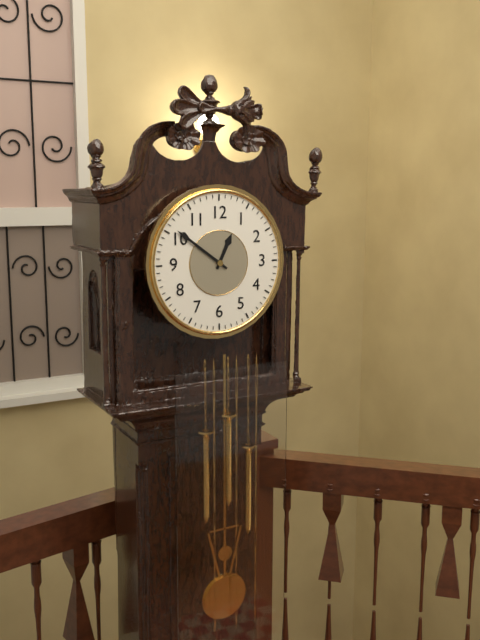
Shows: 12:51
